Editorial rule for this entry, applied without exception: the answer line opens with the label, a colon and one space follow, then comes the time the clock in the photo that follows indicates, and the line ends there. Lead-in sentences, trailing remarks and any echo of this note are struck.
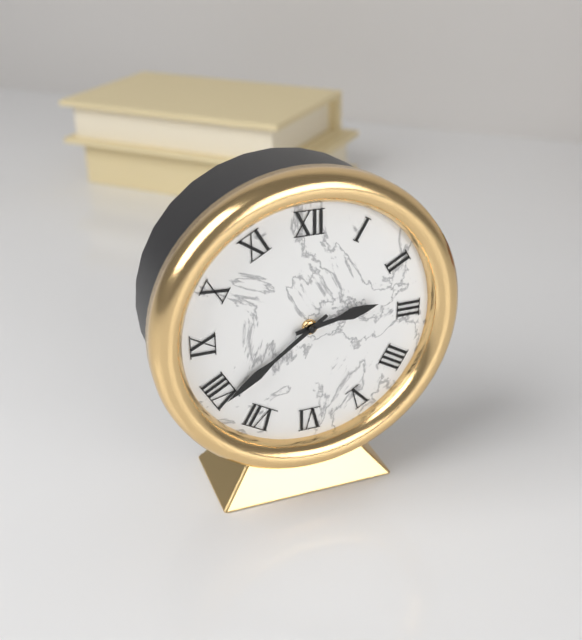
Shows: 2:39
